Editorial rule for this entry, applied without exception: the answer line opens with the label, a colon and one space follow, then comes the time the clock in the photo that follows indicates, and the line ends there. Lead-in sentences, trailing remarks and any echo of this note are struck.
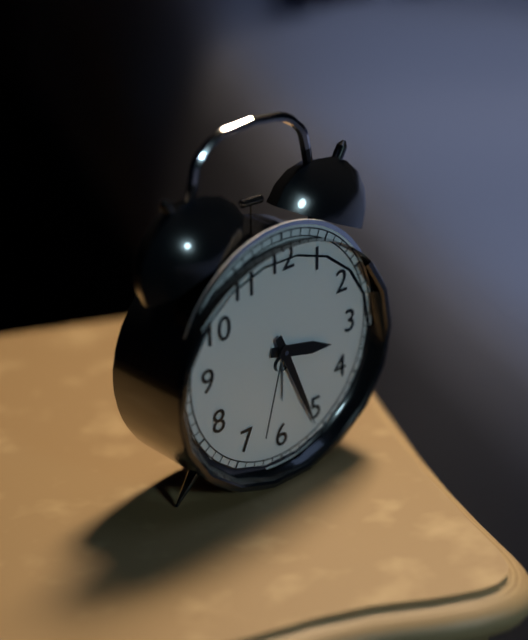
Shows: 3:26
